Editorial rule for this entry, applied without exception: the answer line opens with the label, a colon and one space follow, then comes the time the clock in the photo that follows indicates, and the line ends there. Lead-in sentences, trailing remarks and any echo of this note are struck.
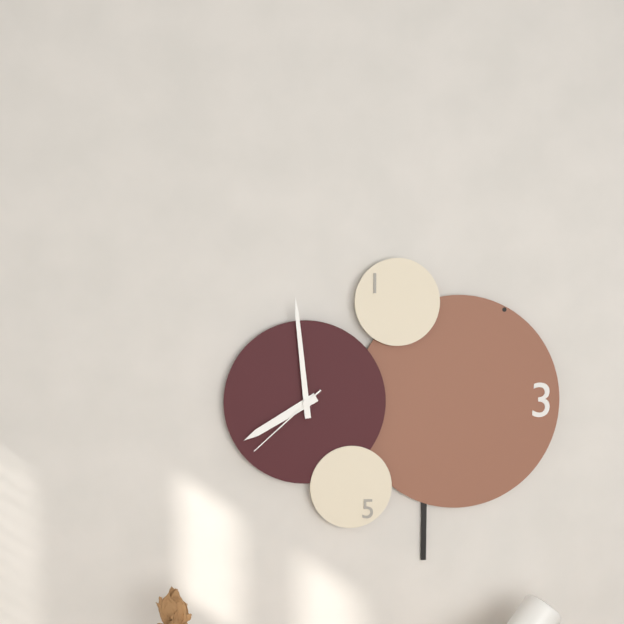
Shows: 7:59:38
